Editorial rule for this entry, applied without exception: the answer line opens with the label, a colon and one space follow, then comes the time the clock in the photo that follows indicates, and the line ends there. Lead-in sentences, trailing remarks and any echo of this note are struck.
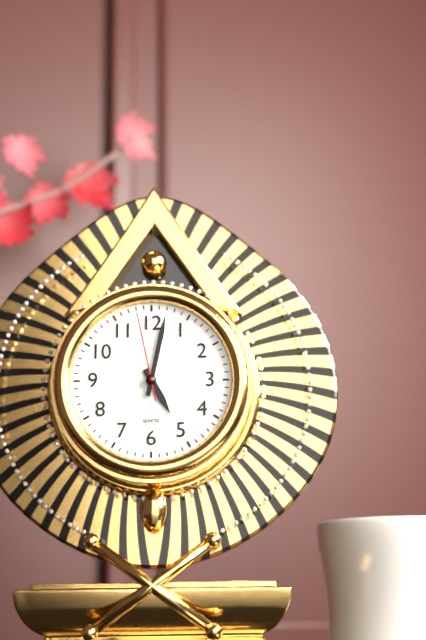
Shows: 5:02:58
